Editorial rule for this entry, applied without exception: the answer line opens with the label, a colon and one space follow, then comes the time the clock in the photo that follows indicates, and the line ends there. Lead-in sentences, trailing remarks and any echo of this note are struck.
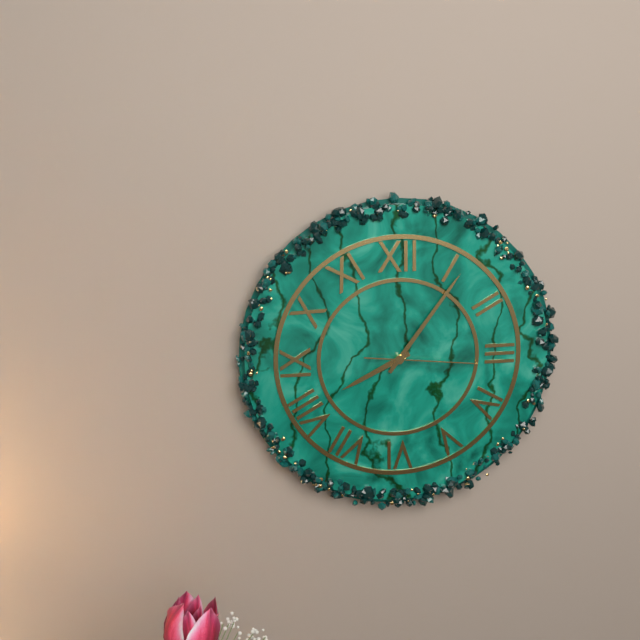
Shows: 8:06:16
